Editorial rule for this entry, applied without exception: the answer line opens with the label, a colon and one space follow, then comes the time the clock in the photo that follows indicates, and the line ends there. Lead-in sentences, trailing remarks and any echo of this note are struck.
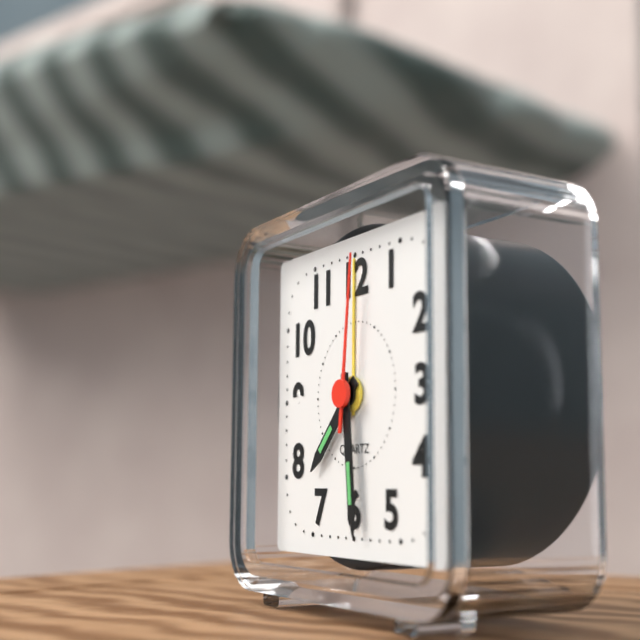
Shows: 7:29:01
